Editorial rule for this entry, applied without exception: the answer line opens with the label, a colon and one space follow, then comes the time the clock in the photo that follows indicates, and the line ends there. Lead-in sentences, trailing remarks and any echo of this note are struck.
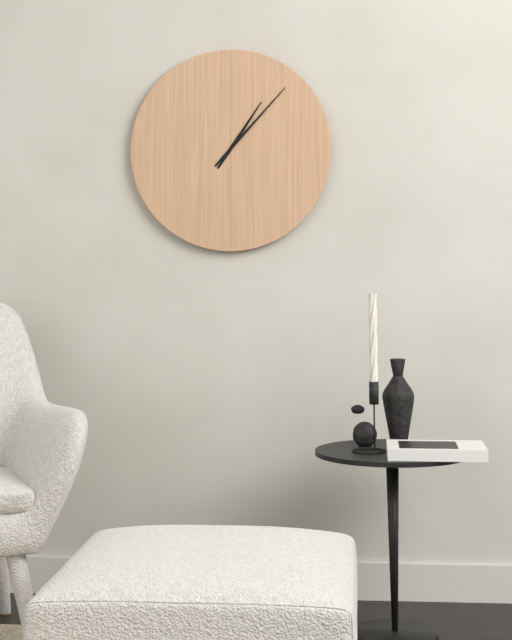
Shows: 1:07
